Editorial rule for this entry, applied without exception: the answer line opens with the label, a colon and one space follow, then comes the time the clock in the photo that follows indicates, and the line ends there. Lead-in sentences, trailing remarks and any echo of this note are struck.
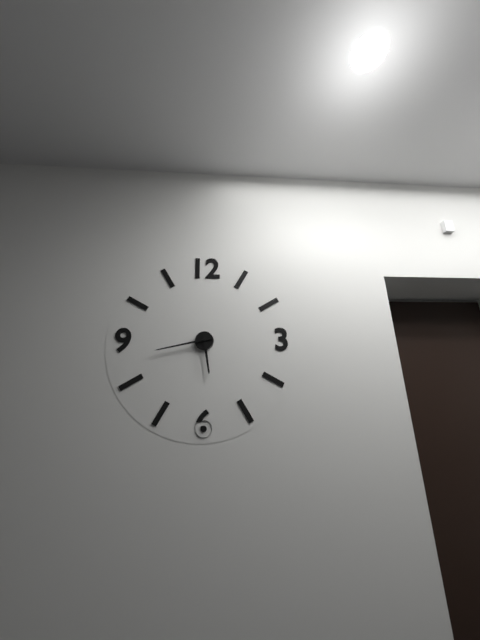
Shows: 5:43
